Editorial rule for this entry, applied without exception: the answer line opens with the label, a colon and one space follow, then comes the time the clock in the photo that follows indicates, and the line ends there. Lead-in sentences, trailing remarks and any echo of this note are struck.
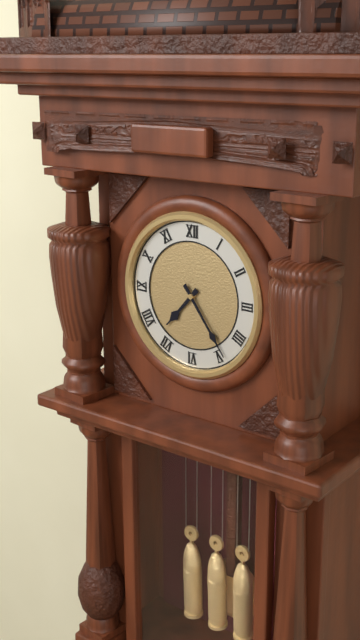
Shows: 7:24
